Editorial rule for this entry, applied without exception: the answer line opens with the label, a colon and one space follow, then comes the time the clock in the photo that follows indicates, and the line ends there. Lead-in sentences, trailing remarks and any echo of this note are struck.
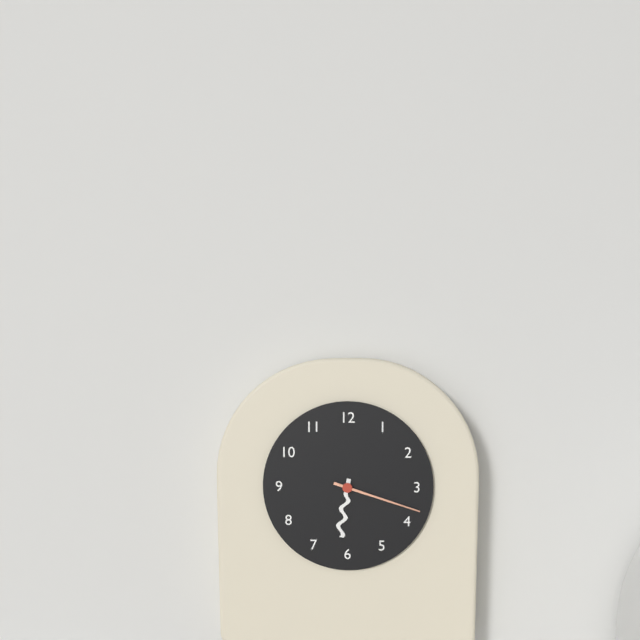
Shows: 6:18
